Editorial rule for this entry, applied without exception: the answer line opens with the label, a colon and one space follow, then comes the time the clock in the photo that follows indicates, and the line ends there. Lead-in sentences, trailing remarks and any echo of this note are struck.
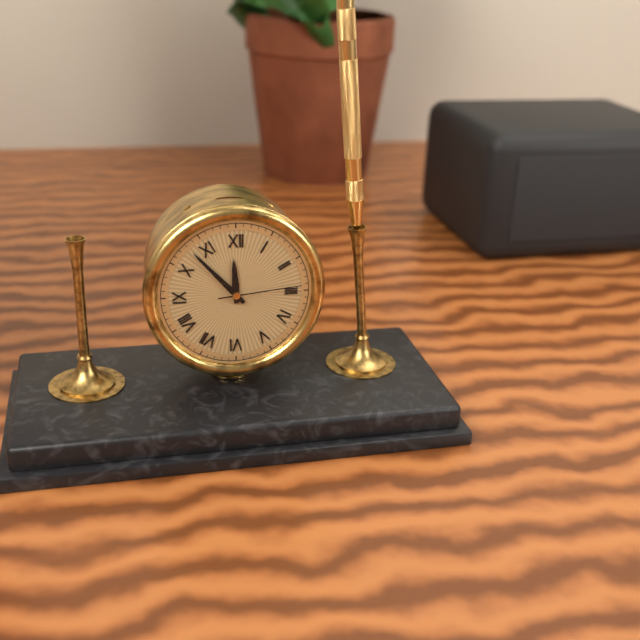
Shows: 11:53:14
